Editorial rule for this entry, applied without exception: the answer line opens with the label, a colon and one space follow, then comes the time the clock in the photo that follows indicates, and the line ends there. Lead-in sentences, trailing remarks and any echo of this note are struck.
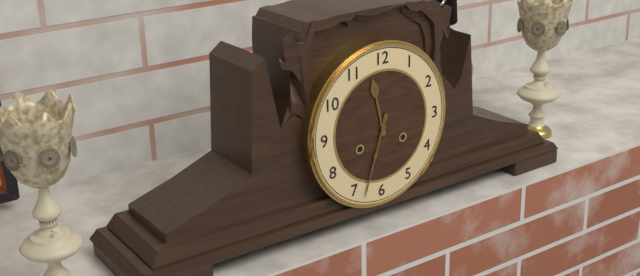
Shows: 11:33
